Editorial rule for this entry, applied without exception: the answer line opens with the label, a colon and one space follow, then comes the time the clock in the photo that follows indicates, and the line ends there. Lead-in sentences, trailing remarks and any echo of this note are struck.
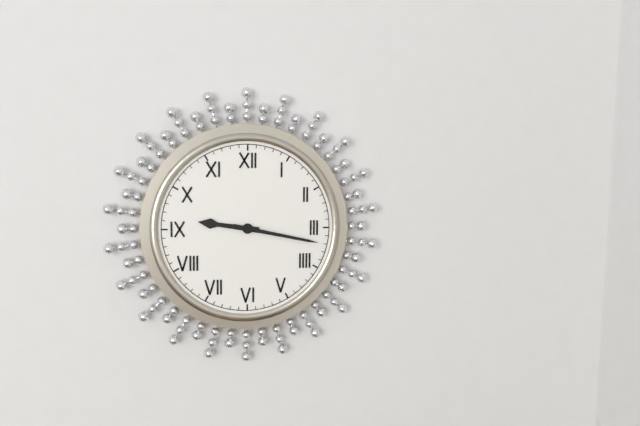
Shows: 9:17
